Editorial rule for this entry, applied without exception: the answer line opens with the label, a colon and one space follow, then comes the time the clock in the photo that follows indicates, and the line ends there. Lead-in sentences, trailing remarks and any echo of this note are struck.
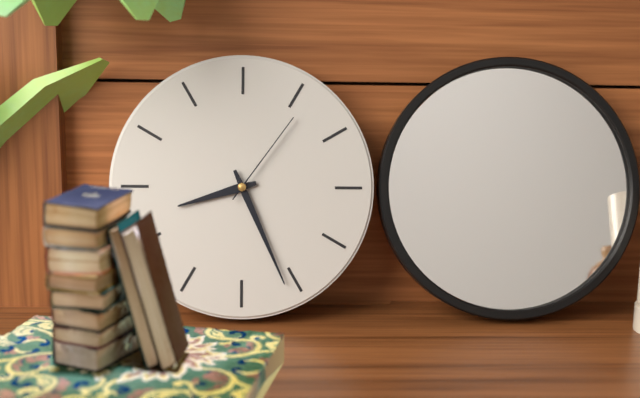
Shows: 8:26:06
